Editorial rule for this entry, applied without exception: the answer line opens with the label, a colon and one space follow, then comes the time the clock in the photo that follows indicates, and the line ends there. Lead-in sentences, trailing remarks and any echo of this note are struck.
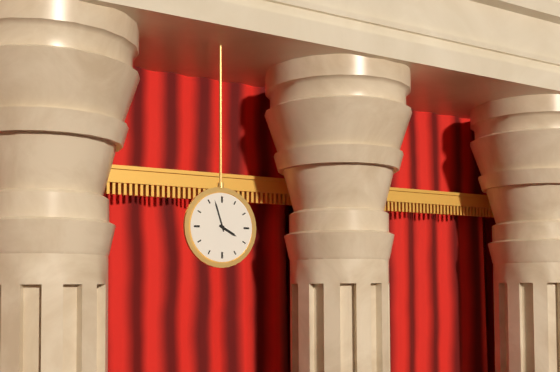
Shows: 3:57
